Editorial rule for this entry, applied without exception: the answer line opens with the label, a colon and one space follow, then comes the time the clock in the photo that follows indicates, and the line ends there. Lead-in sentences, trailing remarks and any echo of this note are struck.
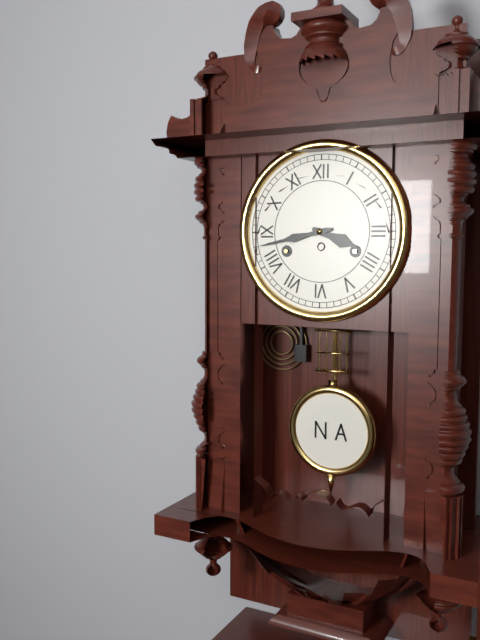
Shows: 3:43
